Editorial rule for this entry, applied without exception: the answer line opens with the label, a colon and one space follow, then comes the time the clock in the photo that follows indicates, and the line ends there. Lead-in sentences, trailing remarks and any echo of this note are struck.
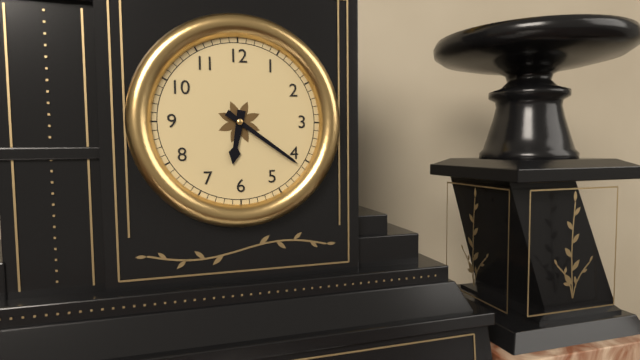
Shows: 6:21
